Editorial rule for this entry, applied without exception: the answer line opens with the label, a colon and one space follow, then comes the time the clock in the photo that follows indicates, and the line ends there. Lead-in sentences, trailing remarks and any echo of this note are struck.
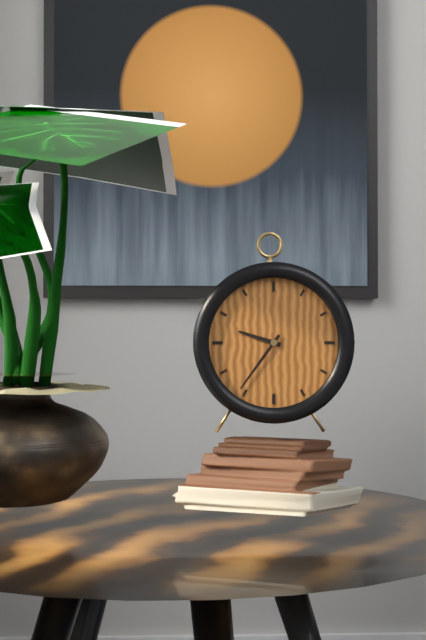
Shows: 9:36
